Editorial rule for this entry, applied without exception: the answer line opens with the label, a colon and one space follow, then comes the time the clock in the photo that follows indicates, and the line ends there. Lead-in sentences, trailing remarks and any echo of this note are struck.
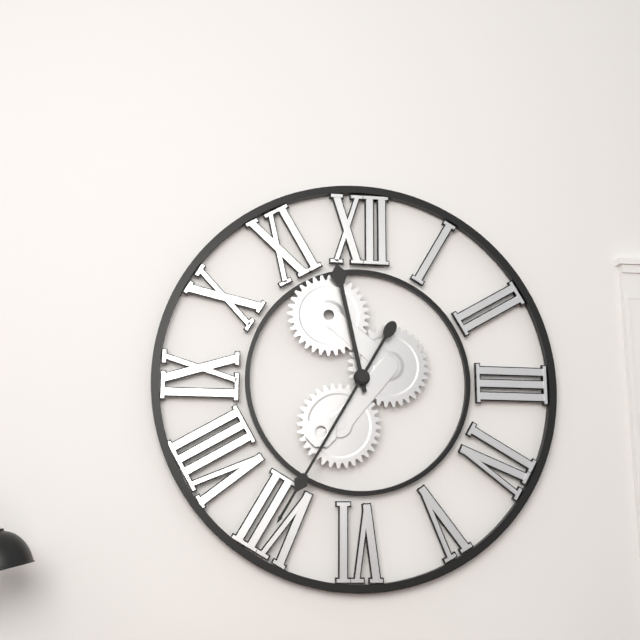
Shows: 11:35
